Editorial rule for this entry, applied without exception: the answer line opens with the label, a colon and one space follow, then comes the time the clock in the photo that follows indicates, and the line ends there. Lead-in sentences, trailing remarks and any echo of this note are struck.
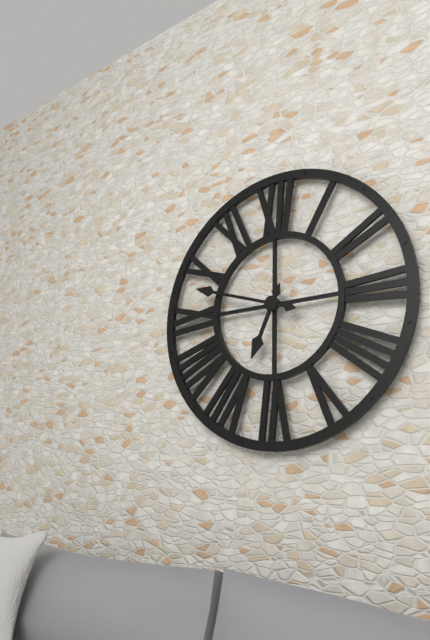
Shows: 6:48
